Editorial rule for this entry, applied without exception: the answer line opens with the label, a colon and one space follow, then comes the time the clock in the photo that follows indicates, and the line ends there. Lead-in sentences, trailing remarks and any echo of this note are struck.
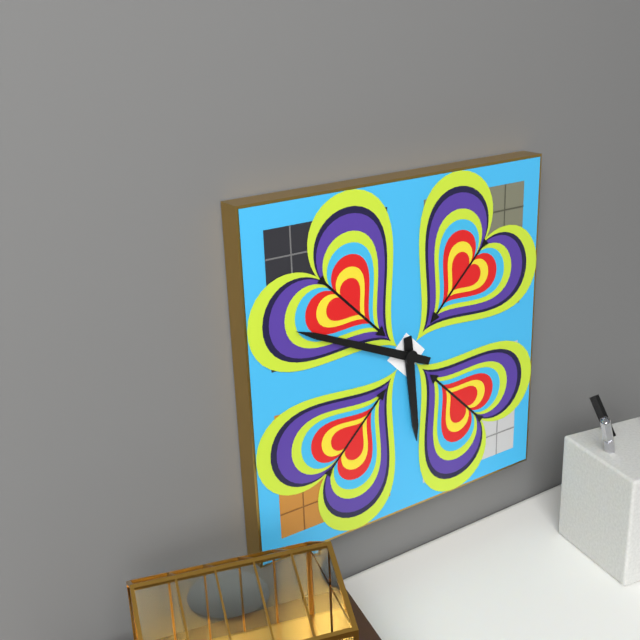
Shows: 5:49
